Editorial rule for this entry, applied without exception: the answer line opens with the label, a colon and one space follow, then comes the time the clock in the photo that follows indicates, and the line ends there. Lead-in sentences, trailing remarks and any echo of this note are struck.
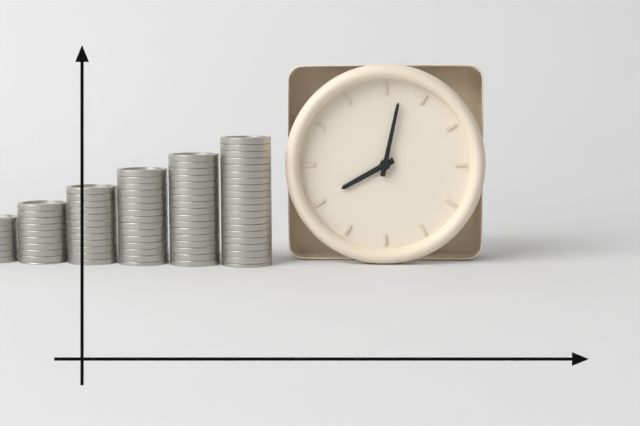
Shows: 8:02
